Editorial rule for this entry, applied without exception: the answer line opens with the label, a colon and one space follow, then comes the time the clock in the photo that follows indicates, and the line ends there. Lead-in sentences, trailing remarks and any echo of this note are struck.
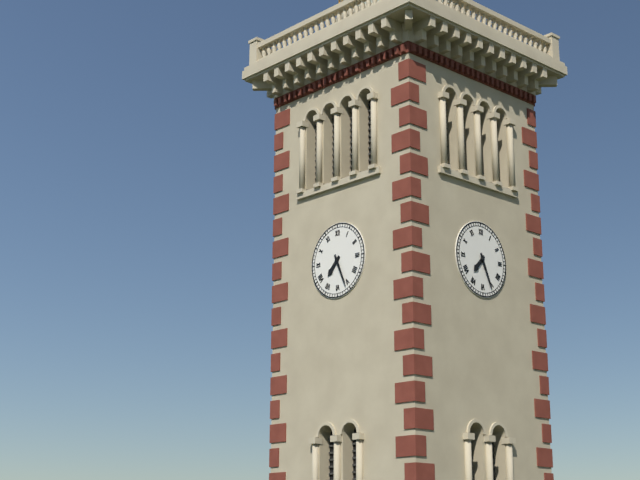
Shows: 7:26
